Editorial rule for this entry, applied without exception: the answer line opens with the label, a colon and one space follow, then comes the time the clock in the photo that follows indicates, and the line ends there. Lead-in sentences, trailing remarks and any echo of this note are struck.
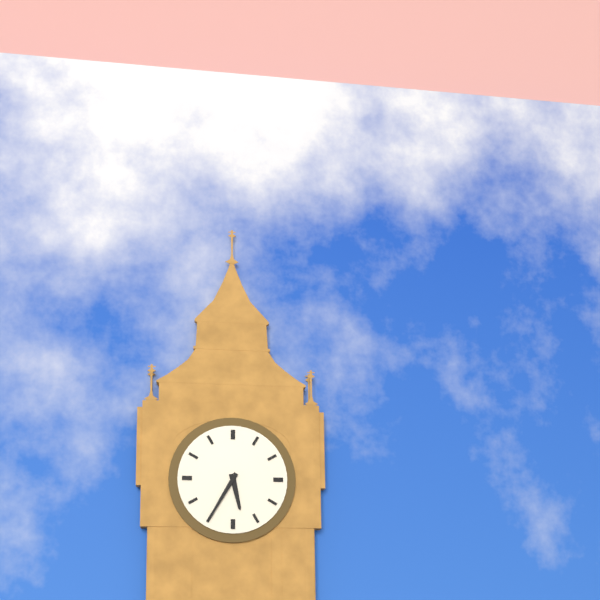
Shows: 5:35
